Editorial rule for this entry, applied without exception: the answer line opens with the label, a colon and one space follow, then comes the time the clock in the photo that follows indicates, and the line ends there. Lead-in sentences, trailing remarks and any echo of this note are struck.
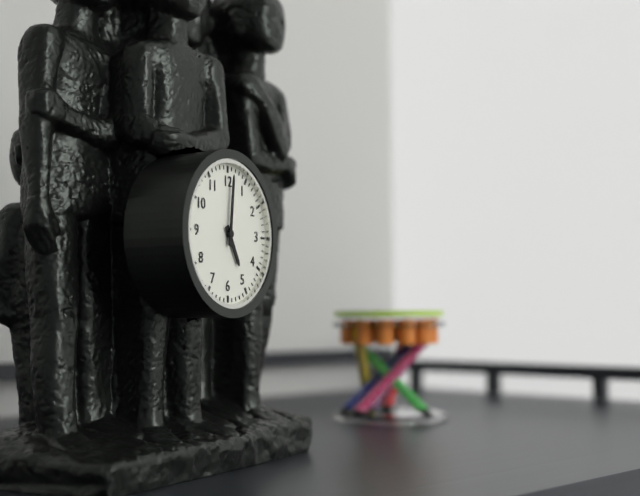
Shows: 5:01
